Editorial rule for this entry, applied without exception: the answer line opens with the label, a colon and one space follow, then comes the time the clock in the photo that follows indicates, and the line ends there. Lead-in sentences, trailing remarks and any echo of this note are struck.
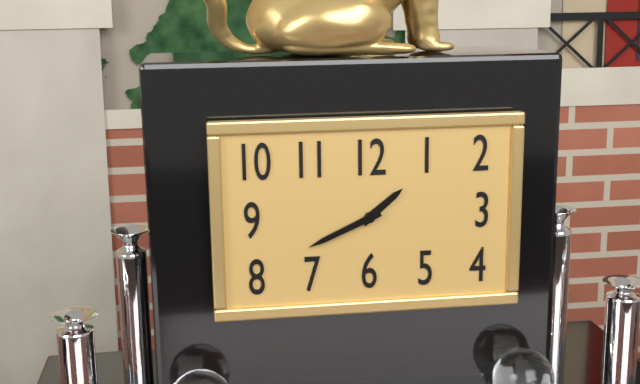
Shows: 1:41
